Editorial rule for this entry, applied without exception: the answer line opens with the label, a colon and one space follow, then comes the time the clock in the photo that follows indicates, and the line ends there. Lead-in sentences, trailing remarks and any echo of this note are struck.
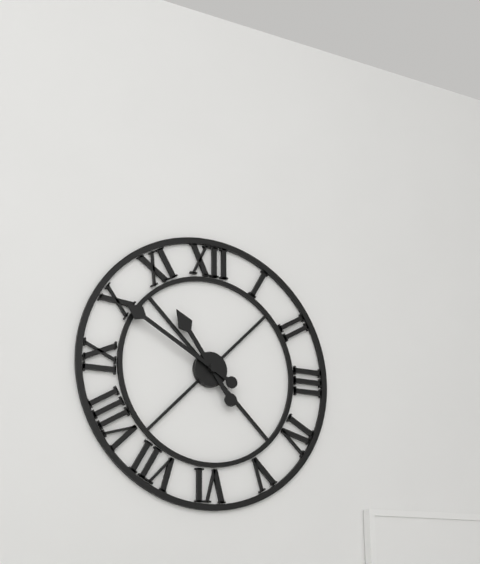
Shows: 10:50
